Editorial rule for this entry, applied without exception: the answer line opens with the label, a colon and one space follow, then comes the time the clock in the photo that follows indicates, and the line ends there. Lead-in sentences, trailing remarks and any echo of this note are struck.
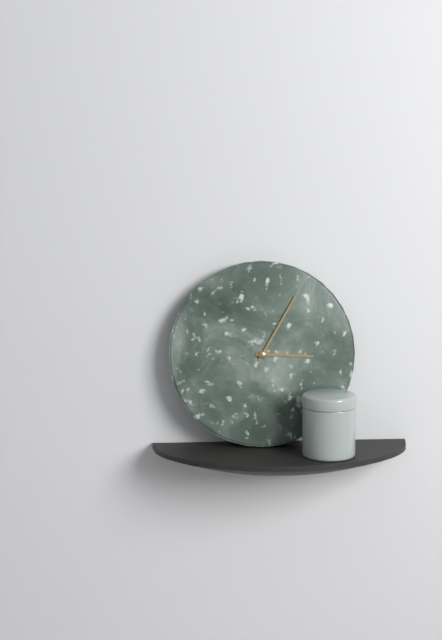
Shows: 3:05
